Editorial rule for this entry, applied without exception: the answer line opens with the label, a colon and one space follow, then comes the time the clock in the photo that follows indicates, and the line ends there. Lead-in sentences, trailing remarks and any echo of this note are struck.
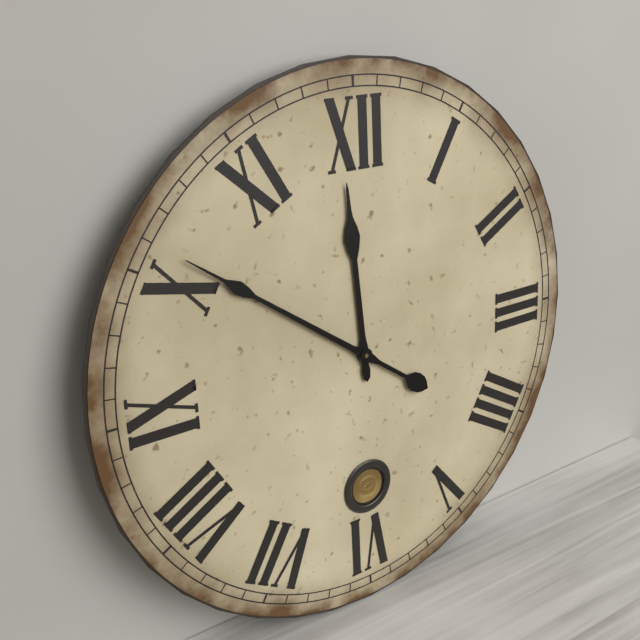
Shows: 11:51
